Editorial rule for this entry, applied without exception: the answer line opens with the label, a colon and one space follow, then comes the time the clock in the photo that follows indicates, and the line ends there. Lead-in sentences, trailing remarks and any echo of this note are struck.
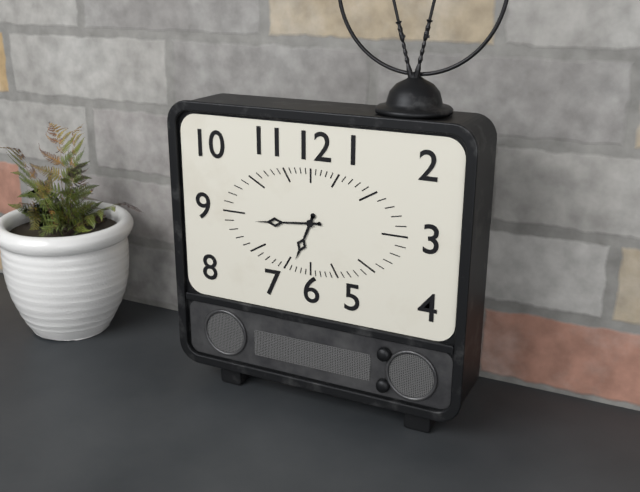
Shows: 6:44
